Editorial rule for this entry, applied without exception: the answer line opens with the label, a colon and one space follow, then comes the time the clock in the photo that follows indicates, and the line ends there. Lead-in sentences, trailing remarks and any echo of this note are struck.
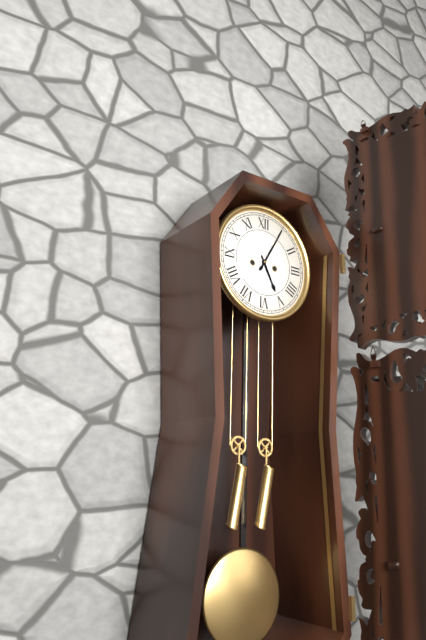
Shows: 5:05
